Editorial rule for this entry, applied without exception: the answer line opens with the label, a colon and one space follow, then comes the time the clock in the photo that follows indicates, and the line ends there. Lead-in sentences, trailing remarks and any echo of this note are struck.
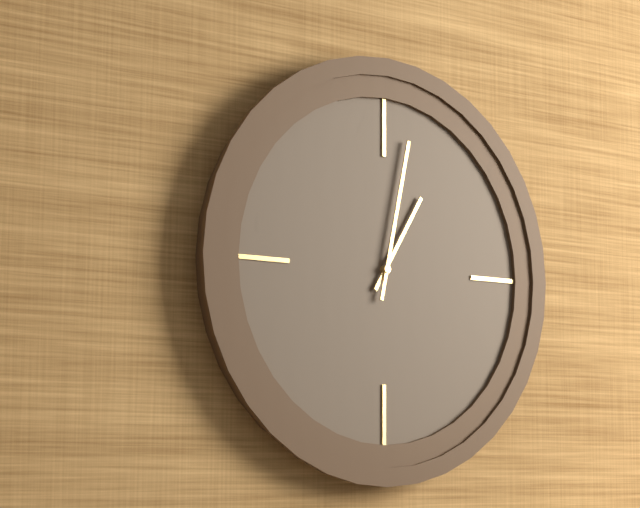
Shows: 1:02
